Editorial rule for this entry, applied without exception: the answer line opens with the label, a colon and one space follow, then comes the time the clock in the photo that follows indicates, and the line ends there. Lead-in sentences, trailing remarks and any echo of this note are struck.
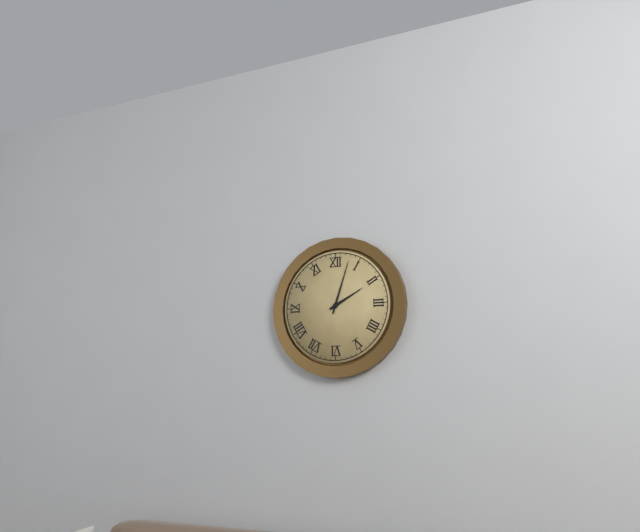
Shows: 2:03
